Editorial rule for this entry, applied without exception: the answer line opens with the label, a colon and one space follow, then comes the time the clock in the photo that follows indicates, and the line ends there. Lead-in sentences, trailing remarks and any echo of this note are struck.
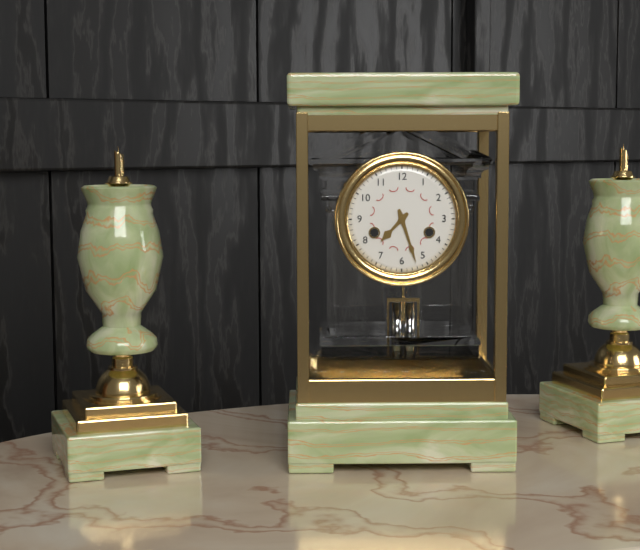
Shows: 7:27
